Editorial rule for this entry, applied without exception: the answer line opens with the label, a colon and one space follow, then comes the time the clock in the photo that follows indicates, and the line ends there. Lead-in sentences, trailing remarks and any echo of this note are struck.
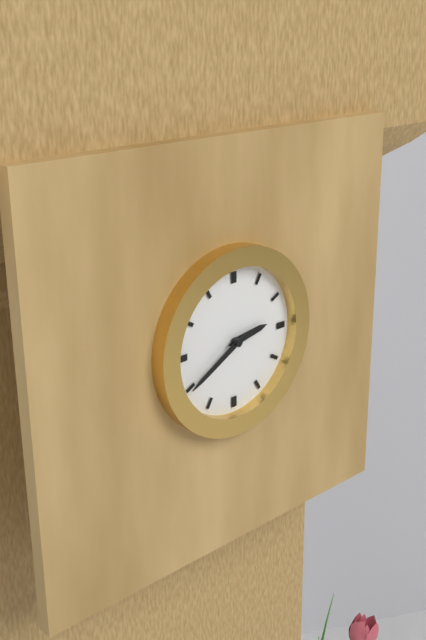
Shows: 2:40
